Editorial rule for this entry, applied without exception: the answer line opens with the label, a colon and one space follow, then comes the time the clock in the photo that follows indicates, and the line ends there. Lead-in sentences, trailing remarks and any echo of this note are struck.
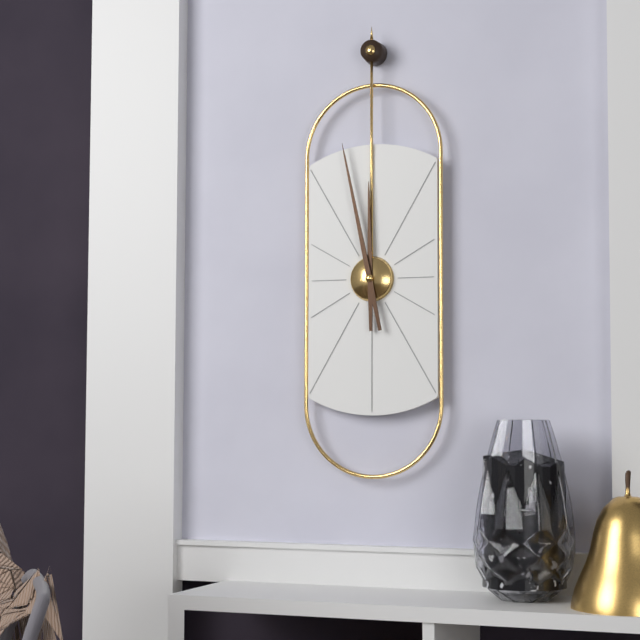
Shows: 11:58
